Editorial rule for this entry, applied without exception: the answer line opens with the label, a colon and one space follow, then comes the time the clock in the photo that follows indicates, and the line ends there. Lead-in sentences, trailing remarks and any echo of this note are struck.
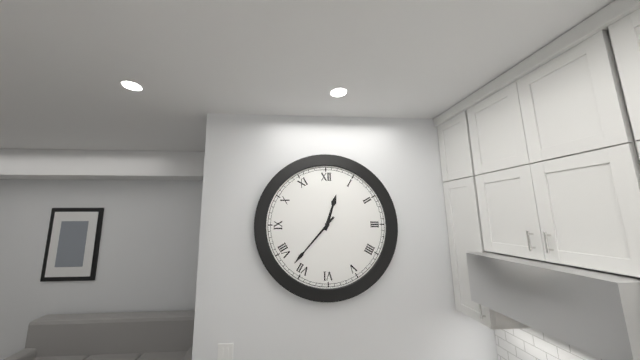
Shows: 12:37
